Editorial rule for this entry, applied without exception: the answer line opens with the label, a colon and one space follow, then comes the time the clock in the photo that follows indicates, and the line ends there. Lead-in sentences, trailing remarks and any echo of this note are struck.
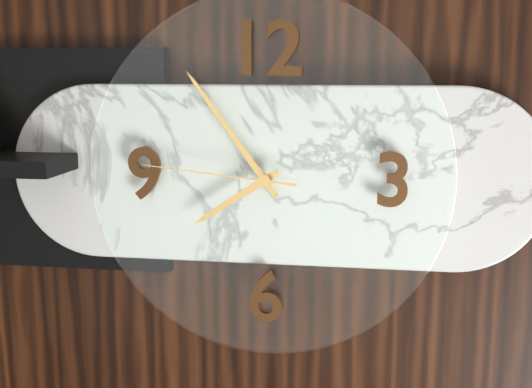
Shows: 7:54:46
